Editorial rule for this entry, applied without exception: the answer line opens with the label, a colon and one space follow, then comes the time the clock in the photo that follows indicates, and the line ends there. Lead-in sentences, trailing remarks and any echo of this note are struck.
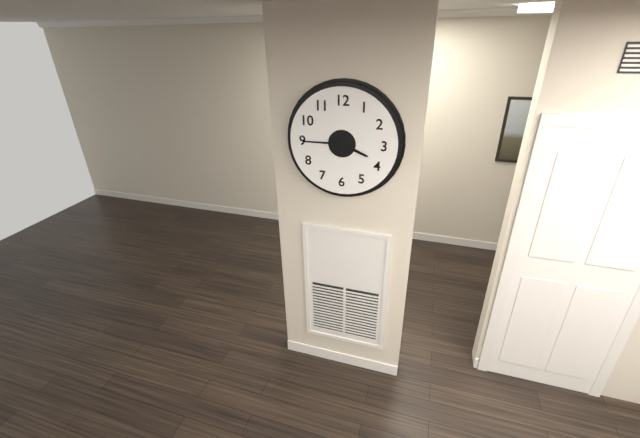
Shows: 3:45
